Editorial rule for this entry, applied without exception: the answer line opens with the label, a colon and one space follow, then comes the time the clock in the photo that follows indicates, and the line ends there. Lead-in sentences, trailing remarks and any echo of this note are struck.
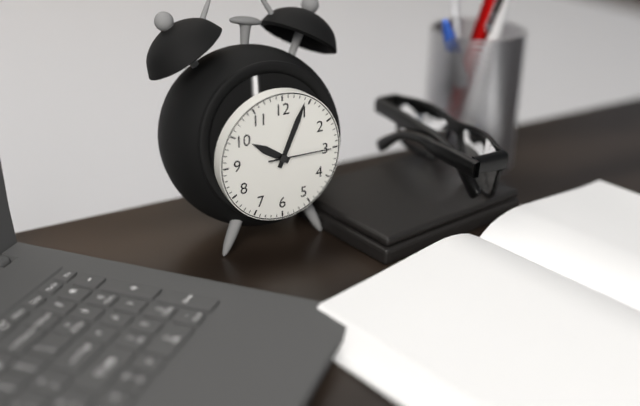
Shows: 10:04:15
